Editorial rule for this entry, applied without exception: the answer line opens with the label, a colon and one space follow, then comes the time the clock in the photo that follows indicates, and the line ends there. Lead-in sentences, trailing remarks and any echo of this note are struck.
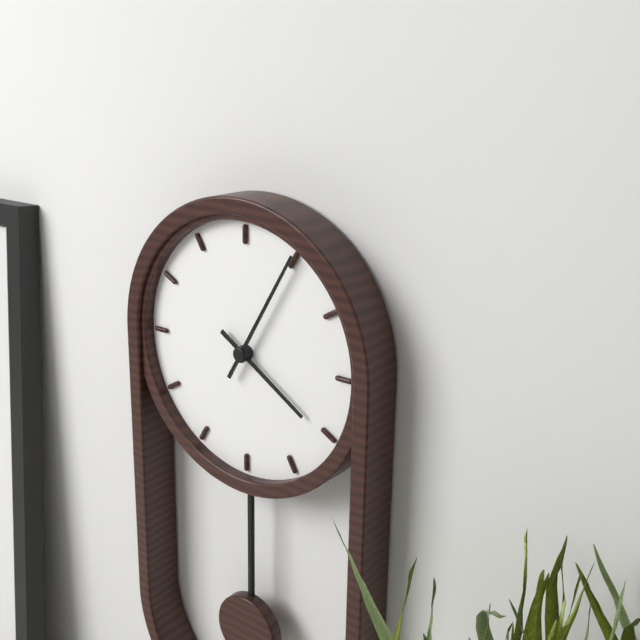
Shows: 4:05
